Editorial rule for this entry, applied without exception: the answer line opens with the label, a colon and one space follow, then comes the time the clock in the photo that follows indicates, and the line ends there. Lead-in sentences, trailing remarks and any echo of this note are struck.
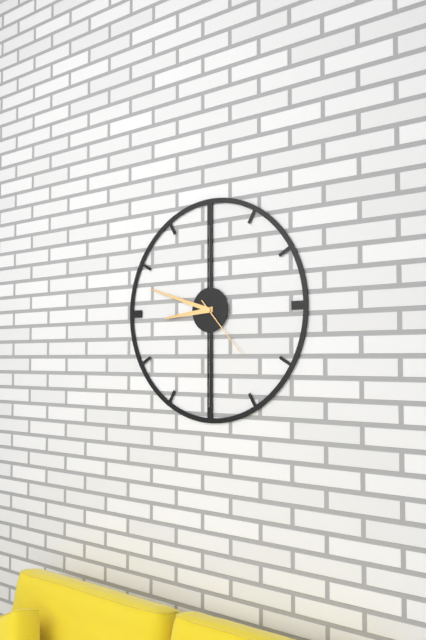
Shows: 8:48:23
